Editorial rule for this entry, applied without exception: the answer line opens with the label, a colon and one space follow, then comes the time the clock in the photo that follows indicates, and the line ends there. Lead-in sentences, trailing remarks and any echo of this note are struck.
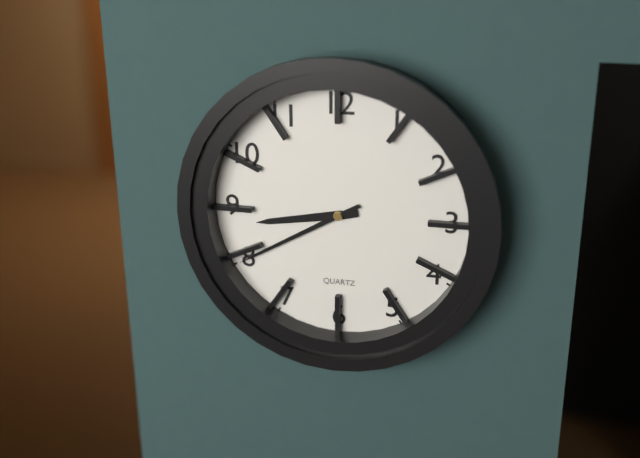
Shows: 8:40
